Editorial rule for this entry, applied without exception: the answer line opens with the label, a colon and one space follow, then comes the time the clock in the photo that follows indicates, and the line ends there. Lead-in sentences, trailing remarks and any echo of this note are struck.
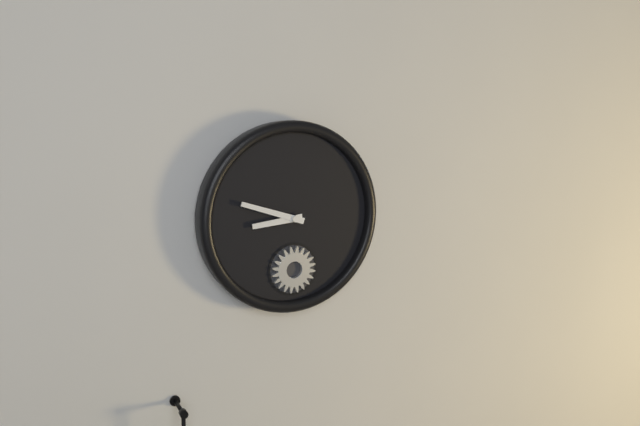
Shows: 8:48
